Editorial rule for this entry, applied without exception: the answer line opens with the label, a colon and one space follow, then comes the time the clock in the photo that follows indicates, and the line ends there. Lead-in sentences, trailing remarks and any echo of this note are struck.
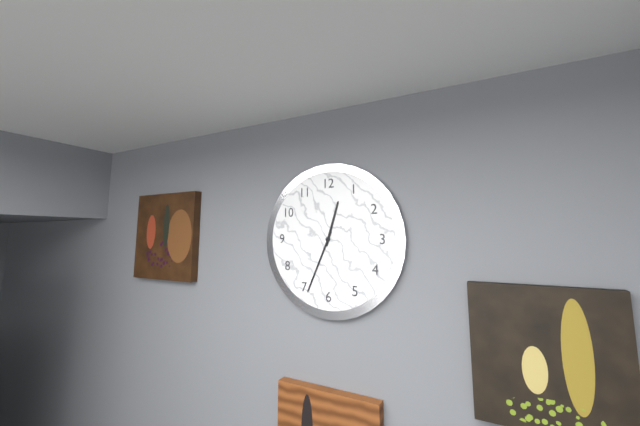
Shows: 12:34
